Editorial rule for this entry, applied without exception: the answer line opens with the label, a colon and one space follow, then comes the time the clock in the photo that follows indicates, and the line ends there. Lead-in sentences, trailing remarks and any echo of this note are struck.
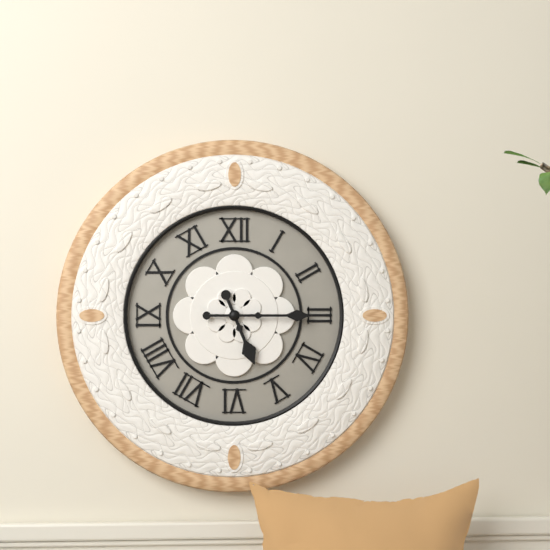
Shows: 5:15
